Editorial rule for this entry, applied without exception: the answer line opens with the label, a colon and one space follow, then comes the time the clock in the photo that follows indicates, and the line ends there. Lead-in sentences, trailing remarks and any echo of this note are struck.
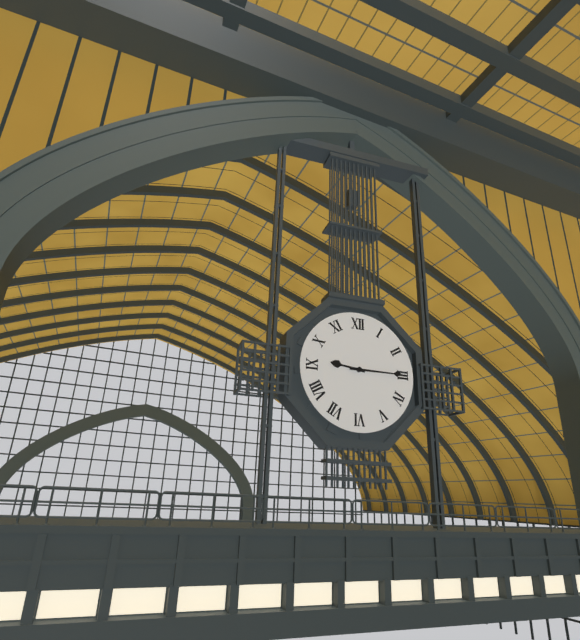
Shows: 9:15
